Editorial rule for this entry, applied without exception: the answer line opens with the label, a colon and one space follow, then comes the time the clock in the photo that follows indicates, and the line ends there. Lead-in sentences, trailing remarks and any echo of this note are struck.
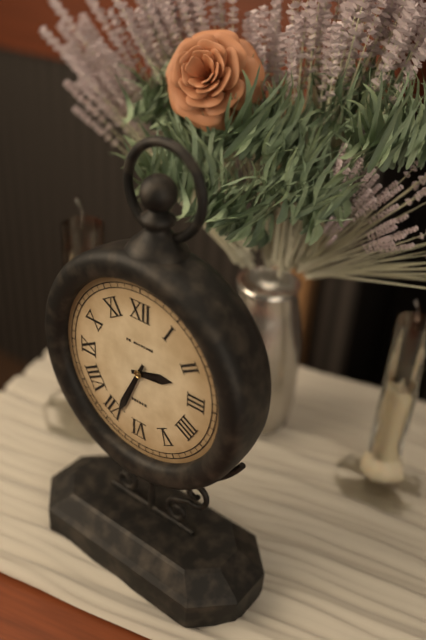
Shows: 2:34
